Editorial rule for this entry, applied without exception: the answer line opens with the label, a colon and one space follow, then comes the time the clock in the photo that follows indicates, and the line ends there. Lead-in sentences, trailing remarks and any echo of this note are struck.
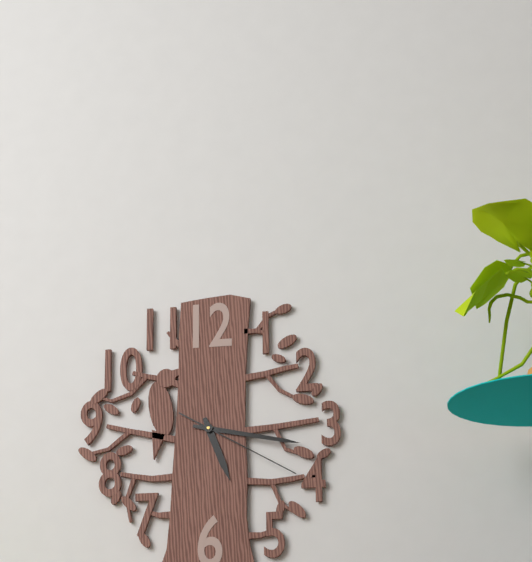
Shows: 5:17:20
